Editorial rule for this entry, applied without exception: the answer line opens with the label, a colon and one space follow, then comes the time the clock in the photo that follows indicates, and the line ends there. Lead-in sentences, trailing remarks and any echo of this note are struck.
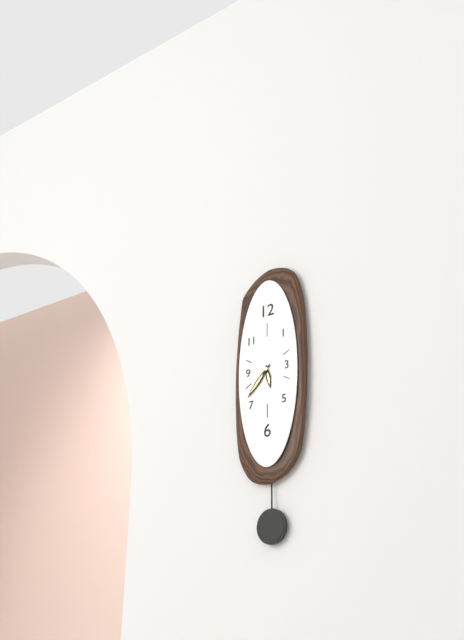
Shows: 5:37
